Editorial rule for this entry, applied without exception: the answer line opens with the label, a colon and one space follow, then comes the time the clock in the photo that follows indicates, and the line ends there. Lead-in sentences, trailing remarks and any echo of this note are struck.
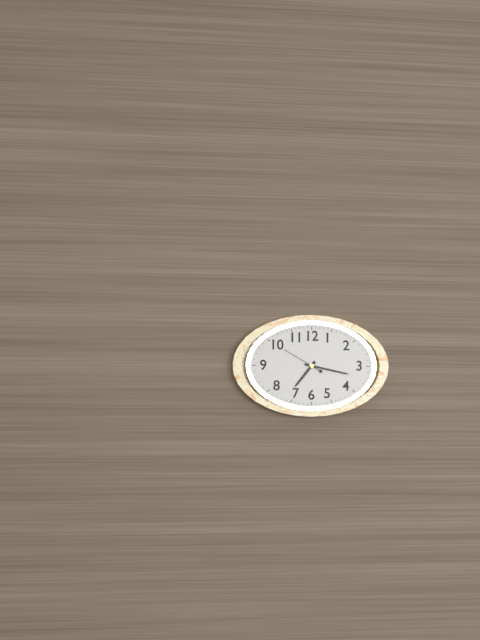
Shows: 7:17
